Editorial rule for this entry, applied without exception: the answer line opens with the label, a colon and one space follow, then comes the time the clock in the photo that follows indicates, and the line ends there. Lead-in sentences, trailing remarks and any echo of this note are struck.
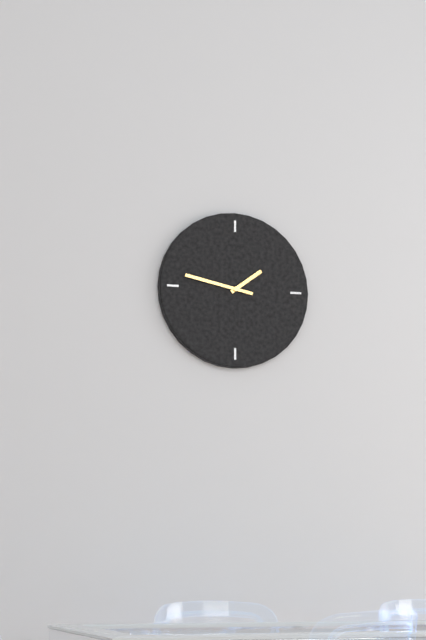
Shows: 1:47
